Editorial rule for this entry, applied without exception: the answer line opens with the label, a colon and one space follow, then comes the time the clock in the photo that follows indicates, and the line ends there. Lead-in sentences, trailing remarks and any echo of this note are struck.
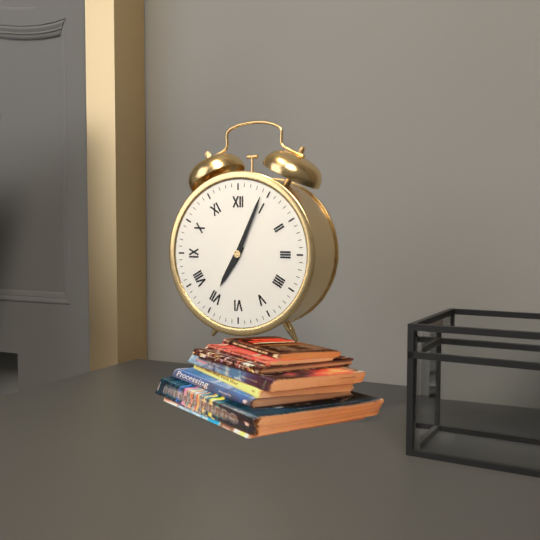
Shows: 7:04
